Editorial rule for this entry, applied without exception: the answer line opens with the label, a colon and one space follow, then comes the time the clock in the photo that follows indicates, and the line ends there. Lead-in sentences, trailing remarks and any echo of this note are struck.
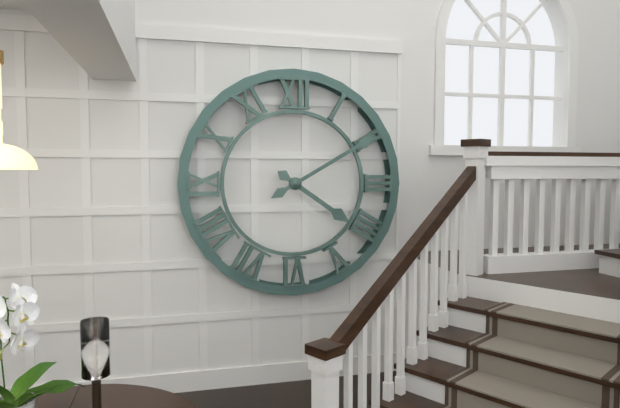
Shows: 4:10
